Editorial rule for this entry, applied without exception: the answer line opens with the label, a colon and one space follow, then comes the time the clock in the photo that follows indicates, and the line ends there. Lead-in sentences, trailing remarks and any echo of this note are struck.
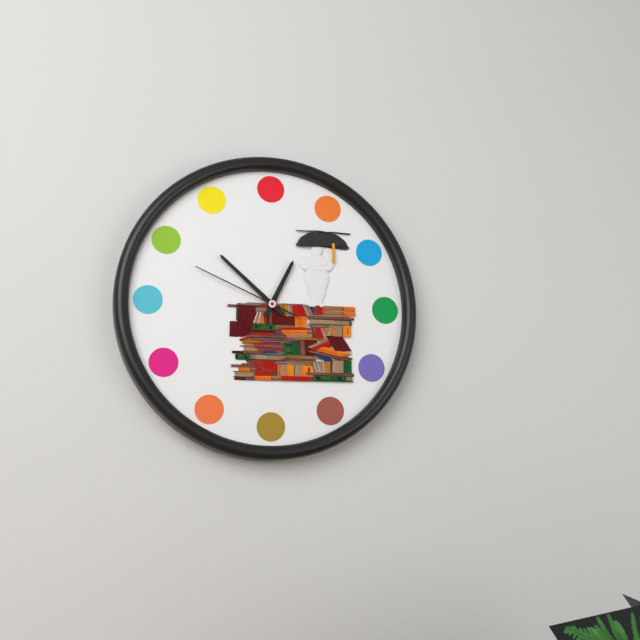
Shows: 12:52:49
